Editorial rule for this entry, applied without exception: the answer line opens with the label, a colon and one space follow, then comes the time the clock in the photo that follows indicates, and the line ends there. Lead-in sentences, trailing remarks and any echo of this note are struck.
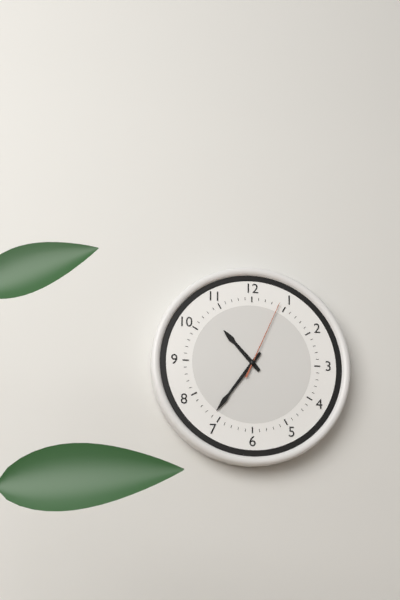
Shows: 10:36:04
